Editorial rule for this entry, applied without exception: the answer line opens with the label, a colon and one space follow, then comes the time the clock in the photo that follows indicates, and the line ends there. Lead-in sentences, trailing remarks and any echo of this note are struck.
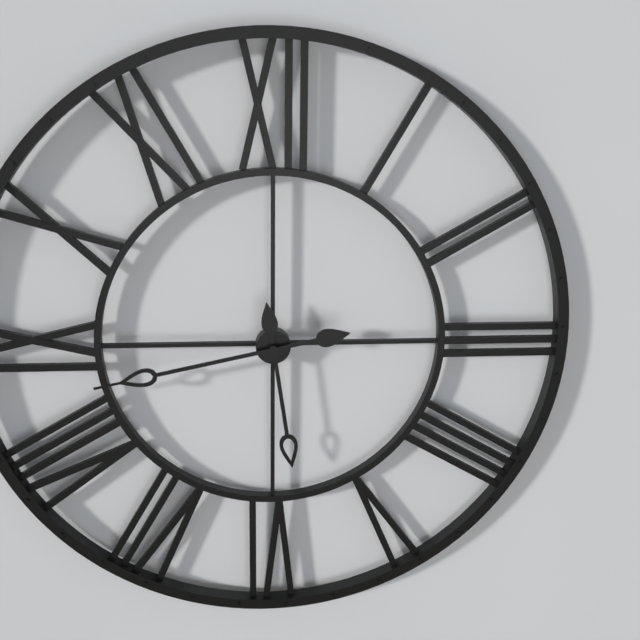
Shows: 5:43
